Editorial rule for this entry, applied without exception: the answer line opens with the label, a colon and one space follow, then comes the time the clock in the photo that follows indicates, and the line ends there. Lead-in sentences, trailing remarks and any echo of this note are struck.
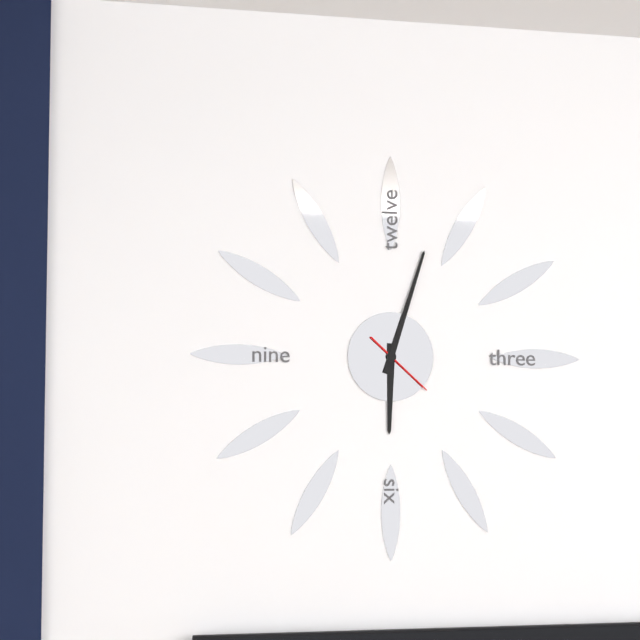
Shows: 6:03:22
